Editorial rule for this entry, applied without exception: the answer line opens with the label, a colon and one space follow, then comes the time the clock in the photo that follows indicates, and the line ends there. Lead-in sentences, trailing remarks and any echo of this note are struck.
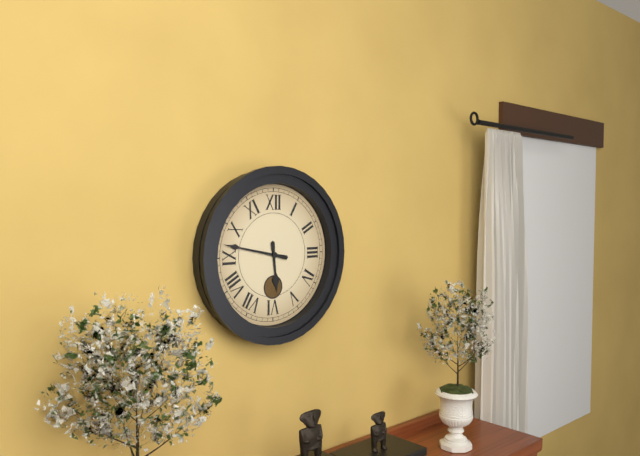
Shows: 5:47
